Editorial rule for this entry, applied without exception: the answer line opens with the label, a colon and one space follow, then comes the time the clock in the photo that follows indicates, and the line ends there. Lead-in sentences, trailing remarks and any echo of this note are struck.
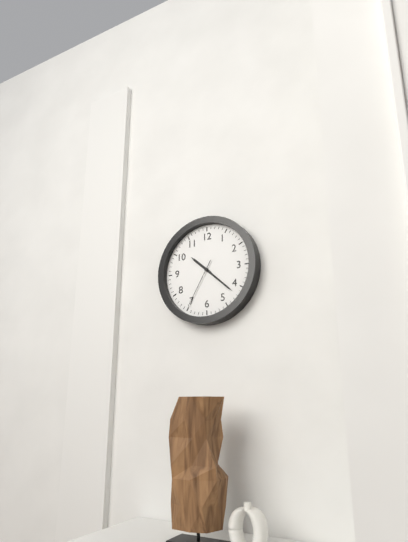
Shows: 10:22:35
